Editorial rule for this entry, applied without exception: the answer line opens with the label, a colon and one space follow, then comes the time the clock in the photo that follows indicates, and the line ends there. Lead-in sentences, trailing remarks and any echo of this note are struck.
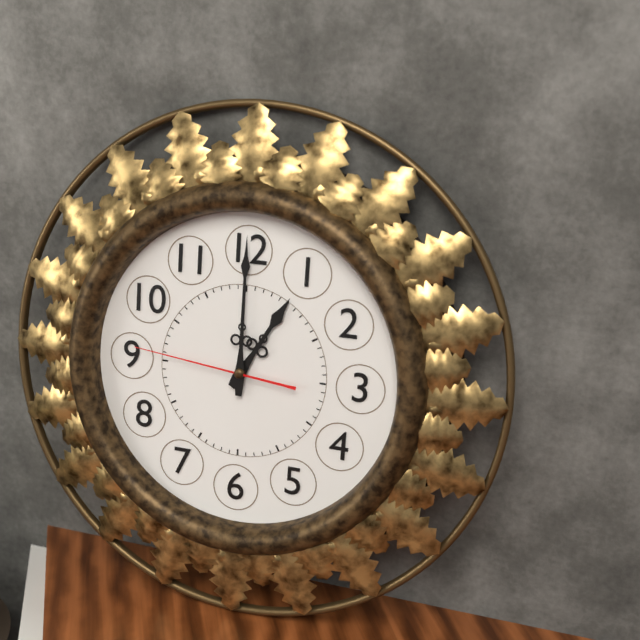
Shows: 1:00:46
